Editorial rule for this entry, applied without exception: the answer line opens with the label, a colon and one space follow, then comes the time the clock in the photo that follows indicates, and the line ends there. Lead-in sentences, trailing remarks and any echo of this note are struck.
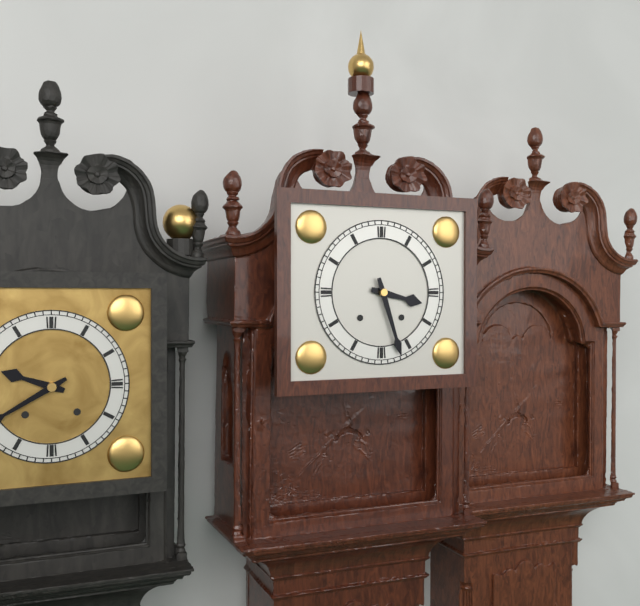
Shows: 3:27
